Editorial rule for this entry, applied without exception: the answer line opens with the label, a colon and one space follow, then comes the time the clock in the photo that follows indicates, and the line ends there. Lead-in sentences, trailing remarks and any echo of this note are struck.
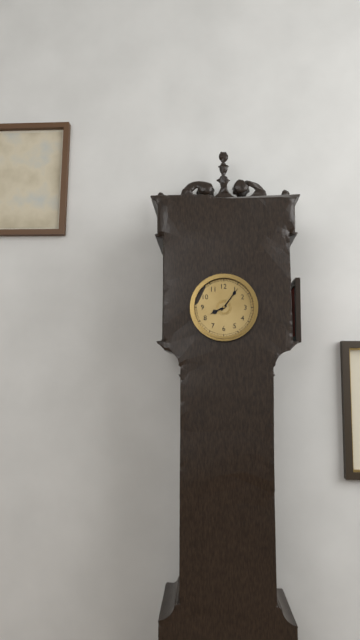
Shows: 8:06
